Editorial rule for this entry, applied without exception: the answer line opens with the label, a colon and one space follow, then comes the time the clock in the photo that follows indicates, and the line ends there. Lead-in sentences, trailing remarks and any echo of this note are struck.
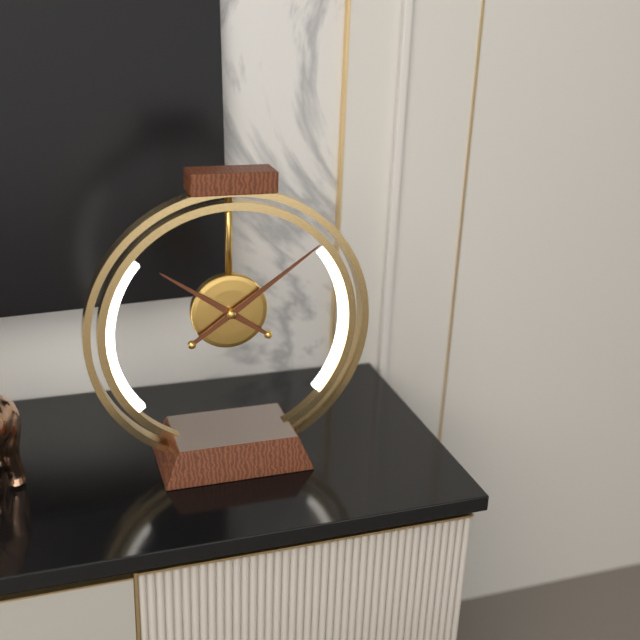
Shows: 10:09
